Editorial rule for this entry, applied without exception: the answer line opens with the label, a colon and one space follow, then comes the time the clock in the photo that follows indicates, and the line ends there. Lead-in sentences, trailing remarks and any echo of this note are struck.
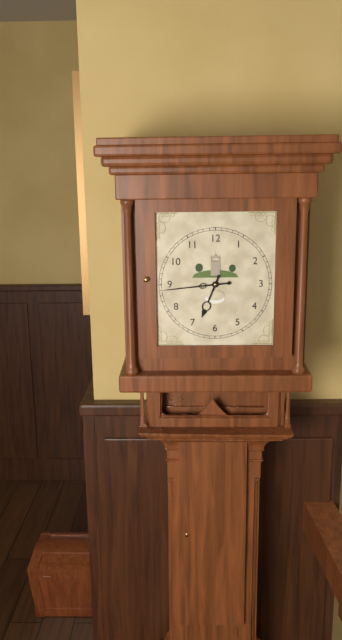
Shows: 6:44
